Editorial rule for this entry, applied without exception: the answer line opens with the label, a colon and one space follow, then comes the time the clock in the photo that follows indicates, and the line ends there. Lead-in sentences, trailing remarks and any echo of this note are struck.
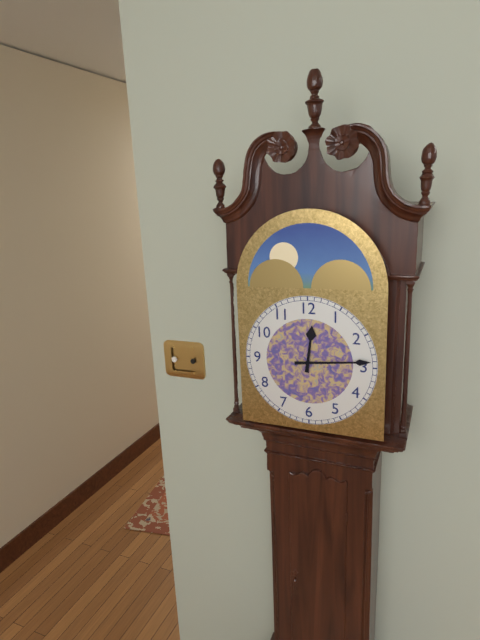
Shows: 12:14
